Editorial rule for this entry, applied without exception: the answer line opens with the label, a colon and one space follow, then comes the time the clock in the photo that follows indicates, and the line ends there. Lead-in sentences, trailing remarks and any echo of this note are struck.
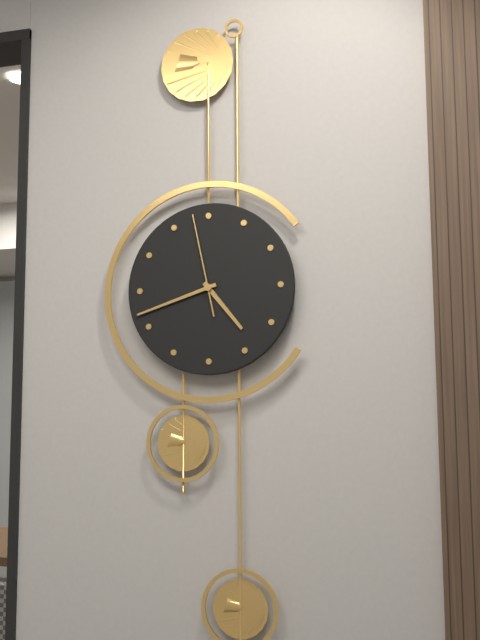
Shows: 4:42:58
